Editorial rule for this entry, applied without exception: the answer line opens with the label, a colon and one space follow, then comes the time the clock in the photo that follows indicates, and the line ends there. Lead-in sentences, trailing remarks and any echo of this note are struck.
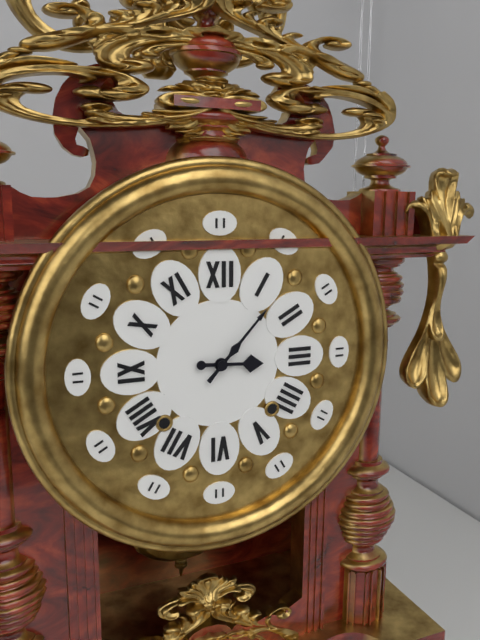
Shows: 3:07
